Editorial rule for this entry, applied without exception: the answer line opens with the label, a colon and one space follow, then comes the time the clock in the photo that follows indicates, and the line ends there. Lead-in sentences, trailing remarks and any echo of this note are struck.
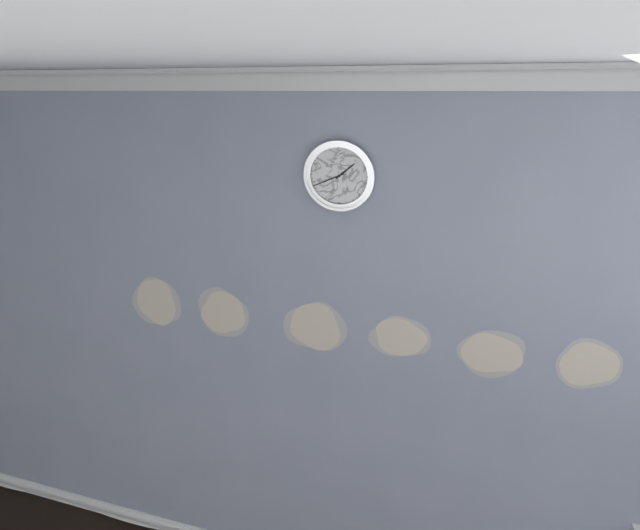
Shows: 1:41
